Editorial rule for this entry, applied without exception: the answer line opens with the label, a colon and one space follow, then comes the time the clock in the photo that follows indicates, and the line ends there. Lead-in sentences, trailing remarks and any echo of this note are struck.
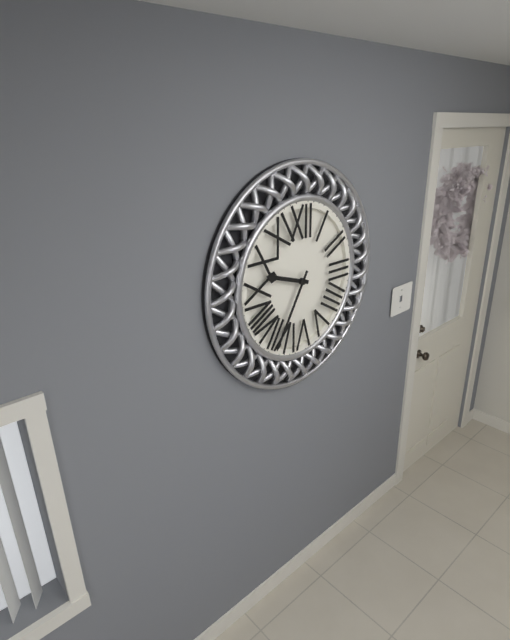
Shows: 9:35
